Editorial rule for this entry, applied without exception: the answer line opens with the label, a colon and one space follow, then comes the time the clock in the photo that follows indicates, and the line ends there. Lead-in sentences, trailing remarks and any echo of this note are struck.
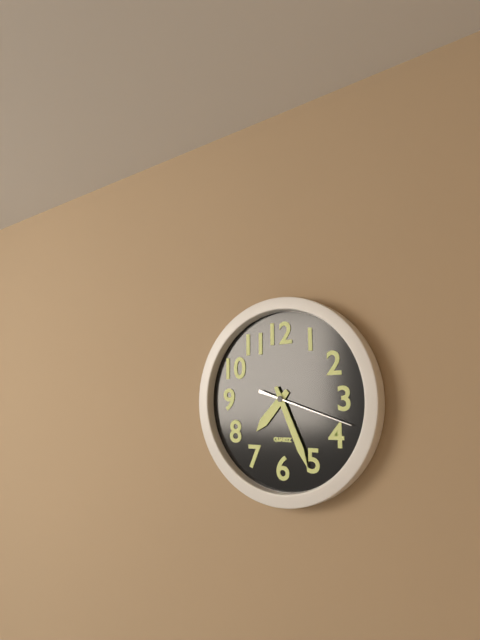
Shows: 7:26:18
